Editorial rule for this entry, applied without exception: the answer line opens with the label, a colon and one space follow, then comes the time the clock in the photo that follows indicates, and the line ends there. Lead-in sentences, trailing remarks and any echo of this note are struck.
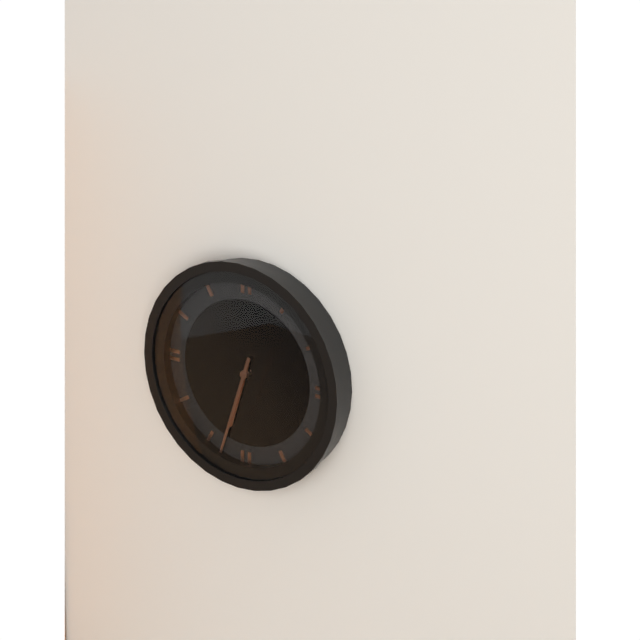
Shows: 6:33
